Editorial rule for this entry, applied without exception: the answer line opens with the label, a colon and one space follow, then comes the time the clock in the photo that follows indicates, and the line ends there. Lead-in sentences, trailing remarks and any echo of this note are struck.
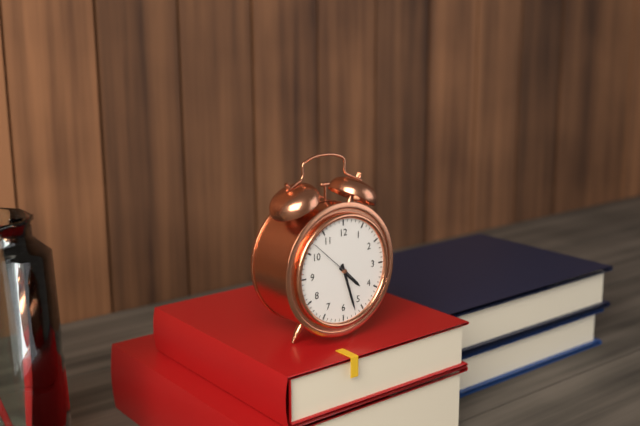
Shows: 4:27
